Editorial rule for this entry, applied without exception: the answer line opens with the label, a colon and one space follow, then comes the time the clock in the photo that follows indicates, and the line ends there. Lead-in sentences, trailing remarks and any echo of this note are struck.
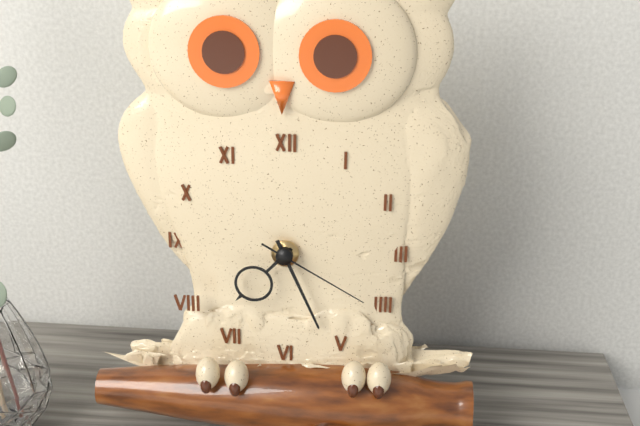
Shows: 7:26:20
